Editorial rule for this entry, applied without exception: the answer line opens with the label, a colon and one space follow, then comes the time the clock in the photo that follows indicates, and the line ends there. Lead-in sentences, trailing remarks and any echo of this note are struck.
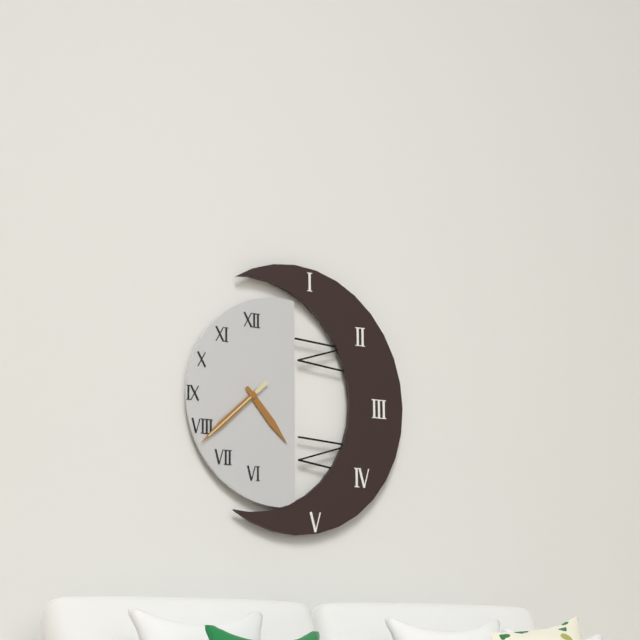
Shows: 4:38:38
